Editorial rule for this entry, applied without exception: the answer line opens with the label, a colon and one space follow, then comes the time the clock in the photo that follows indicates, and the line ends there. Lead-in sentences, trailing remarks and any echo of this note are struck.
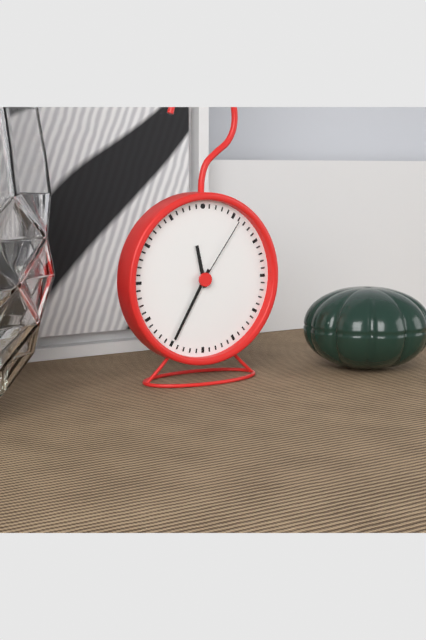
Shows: 11:35:06
